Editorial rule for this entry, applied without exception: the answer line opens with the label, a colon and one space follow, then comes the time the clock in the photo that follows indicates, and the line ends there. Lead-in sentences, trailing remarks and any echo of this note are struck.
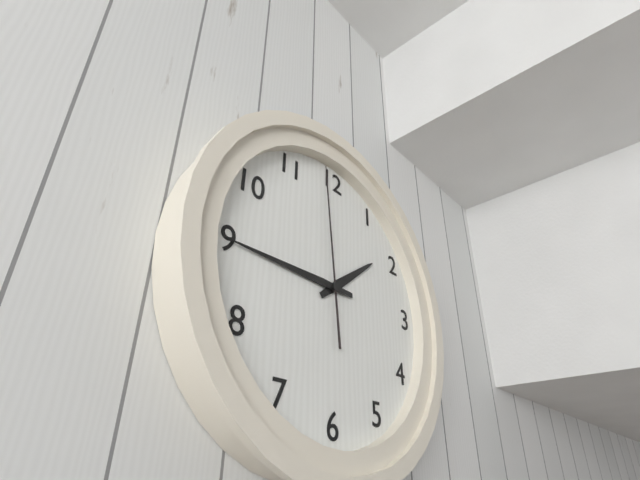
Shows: 1:45:59
